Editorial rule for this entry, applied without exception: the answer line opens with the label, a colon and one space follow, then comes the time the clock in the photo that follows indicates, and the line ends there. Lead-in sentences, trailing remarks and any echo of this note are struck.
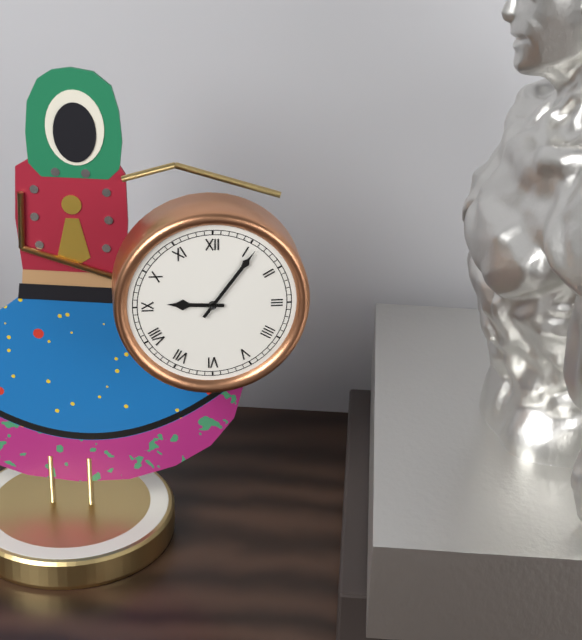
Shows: 9:06
